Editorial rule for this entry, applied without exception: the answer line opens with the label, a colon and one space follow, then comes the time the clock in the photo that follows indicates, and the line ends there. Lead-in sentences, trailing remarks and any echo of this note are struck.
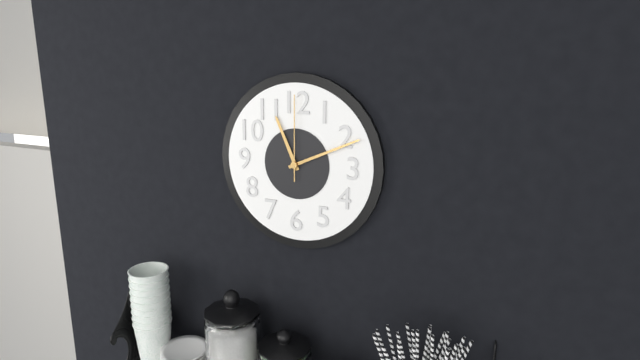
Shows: 11:11:00
